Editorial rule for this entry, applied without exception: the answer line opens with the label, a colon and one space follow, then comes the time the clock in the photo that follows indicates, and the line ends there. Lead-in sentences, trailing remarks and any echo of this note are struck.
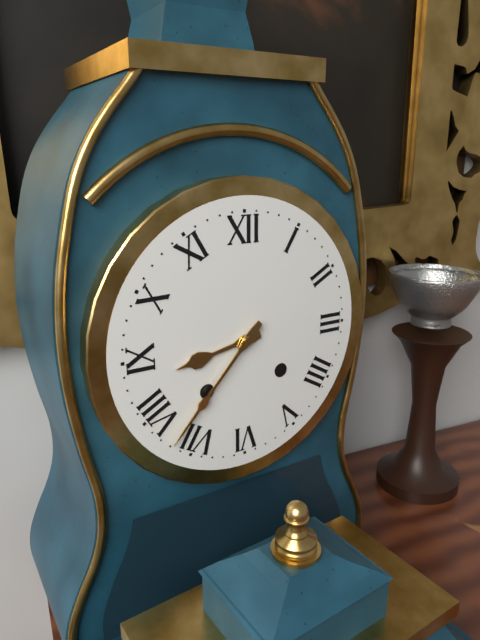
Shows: 8:37
